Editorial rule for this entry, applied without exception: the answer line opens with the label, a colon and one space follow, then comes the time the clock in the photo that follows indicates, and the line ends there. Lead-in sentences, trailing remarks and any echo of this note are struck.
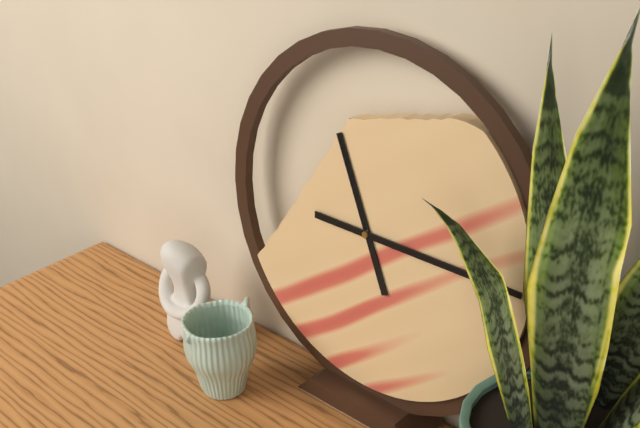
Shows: 11:15
